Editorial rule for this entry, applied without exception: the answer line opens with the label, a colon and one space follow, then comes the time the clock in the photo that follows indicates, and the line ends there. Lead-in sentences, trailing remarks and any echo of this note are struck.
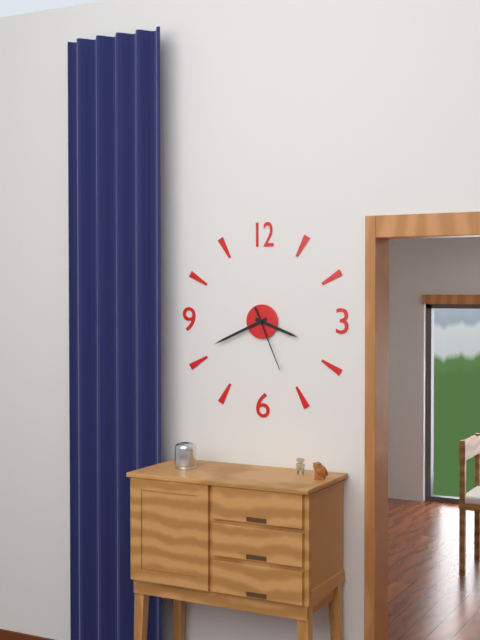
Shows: 3:41:26
